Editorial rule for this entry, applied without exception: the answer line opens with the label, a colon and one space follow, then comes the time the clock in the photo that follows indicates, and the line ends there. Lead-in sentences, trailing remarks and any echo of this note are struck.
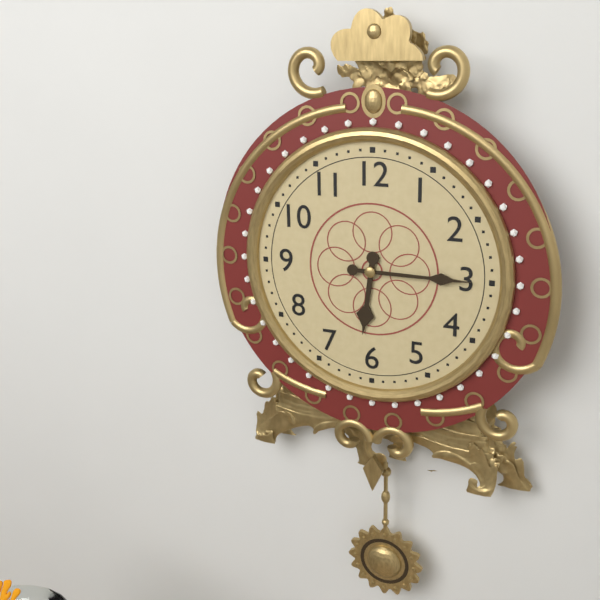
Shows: 6:15
